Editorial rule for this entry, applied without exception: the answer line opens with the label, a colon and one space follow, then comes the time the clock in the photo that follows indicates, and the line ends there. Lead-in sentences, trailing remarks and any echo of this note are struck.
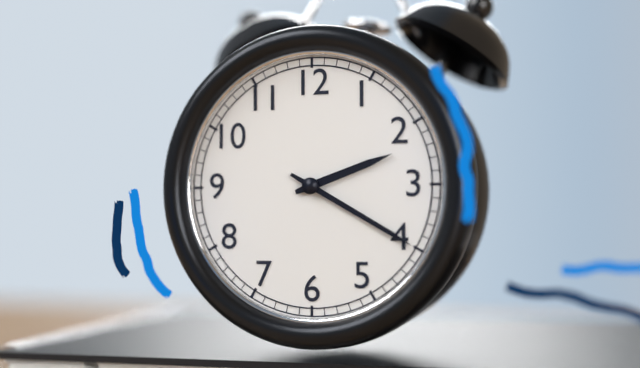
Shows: 2:20
